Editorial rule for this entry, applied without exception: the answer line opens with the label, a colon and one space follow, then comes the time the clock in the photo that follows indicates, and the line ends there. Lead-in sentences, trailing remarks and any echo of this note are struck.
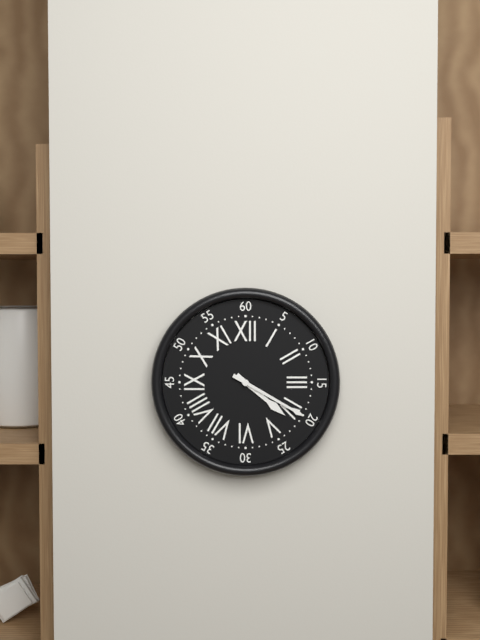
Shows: 4:20
